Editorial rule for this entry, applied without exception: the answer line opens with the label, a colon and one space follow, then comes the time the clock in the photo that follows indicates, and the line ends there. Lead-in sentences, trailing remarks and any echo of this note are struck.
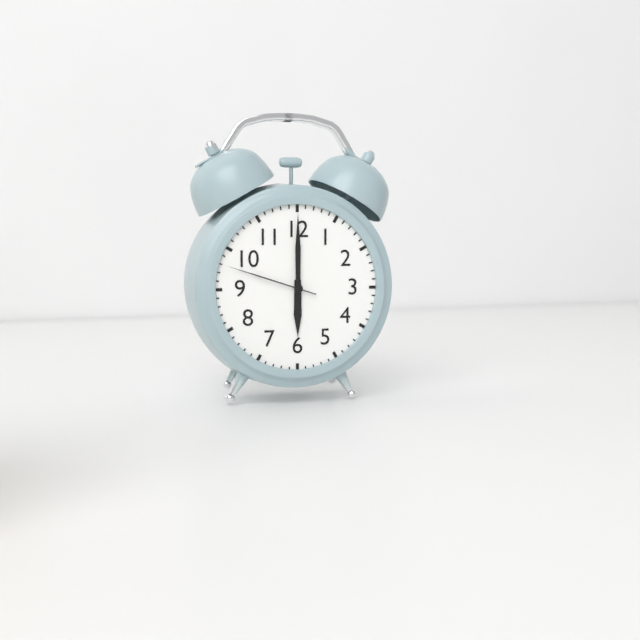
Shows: 6:00:48
